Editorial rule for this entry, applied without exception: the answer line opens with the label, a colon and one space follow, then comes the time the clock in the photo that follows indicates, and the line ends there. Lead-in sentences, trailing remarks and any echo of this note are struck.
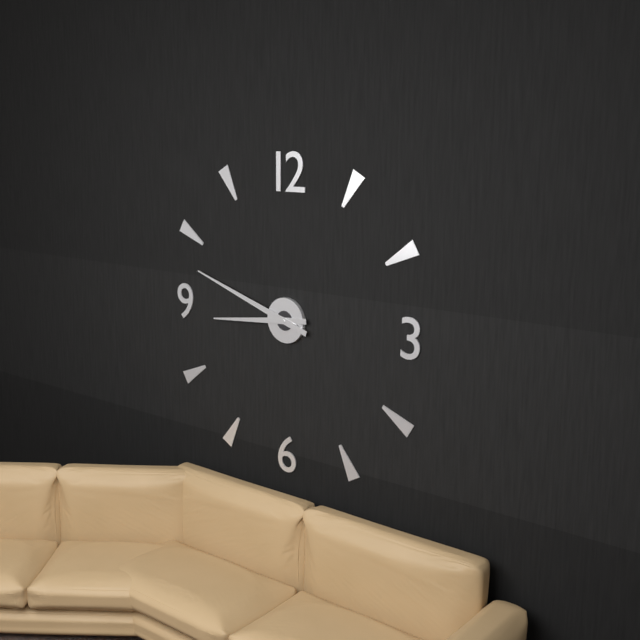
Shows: 8:48
